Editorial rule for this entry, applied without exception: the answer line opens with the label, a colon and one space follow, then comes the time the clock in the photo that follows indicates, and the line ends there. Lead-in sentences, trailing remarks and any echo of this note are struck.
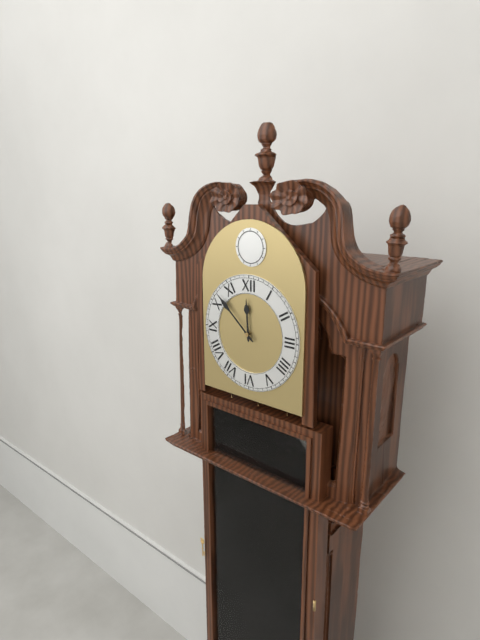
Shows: 11:52
